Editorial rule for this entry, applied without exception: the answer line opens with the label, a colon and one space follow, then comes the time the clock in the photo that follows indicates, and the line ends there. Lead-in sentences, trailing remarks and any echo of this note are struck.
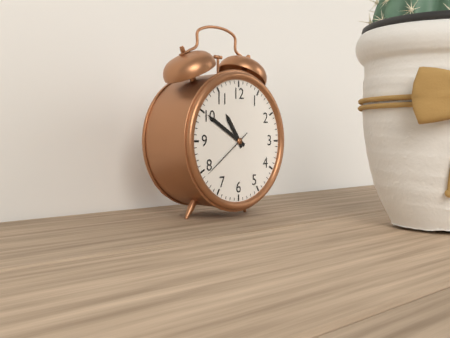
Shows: 10:50:39
